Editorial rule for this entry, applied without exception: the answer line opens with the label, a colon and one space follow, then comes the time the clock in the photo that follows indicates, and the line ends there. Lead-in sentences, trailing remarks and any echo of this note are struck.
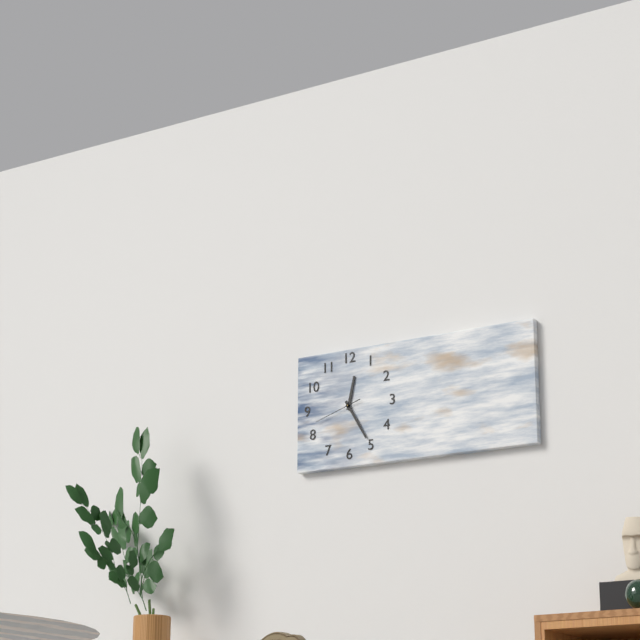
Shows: 12:25
